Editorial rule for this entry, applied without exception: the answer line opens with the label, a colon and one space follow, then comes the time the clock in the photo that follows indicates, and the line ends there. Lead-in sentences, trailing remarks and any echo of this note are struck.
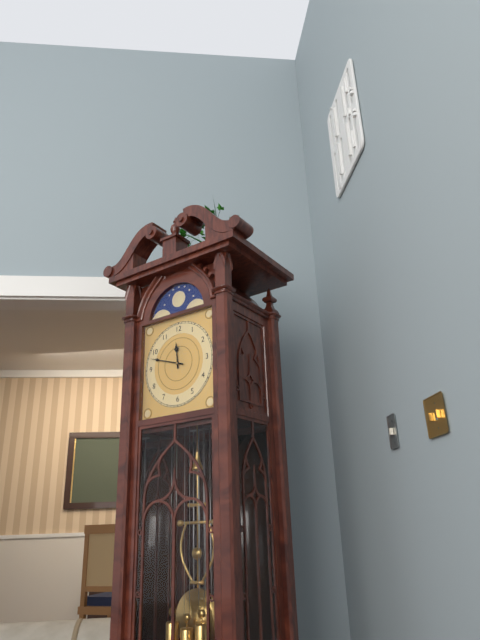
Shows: 11:48
